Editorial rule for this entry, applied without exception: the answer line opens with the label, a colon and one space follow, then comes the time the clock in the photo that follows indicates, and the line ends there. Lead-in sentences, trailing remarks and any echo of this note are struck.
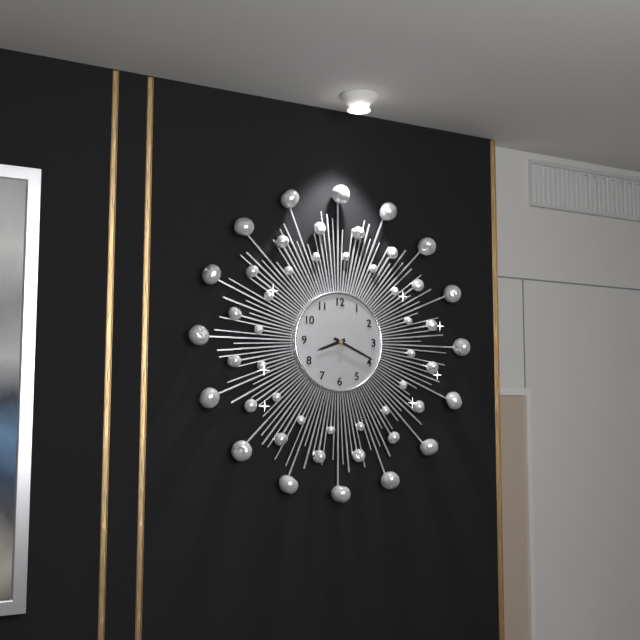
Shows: 8:19
